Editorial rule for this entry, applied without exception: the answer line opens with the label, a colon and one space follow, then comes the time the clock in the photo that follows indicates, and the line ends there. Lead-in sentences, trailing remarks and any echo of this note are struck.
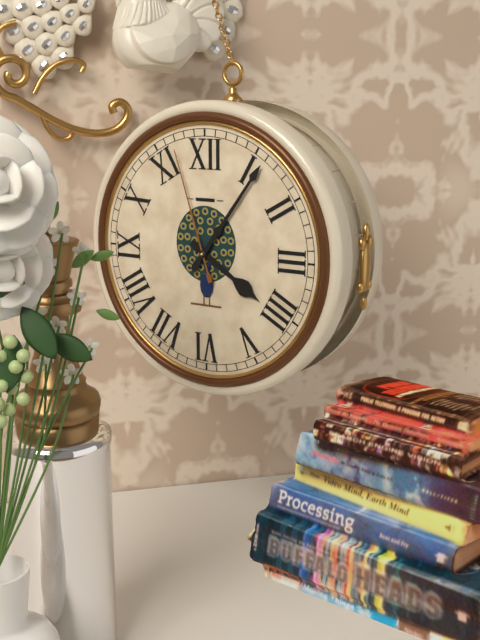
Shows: 4:06:57
